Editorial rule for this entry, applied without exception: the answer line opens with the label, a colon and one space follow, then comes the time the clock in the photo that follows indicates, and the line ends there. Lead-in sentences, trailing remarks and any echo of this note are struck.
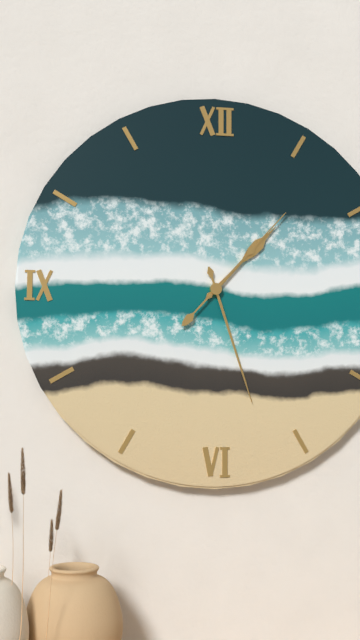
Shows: 1:27:07
